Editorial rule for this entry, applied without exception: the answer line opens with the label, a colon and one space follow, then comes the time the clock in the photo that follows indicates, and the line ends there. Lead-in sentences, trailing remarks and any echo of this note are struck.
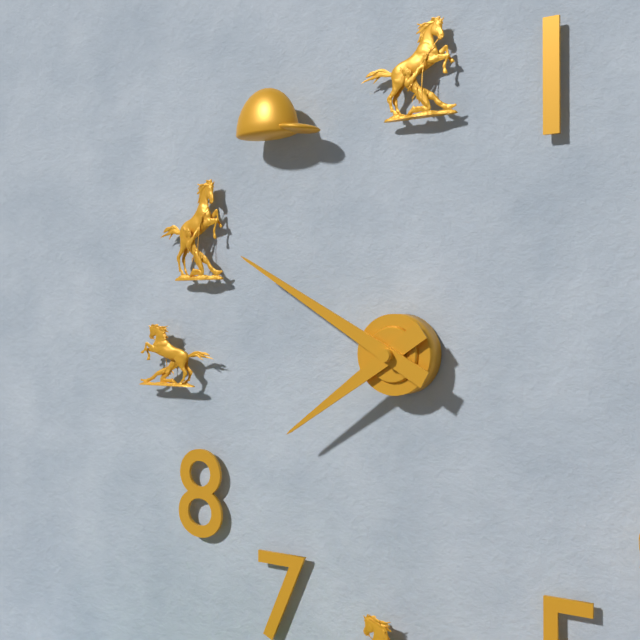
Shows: 7:50
